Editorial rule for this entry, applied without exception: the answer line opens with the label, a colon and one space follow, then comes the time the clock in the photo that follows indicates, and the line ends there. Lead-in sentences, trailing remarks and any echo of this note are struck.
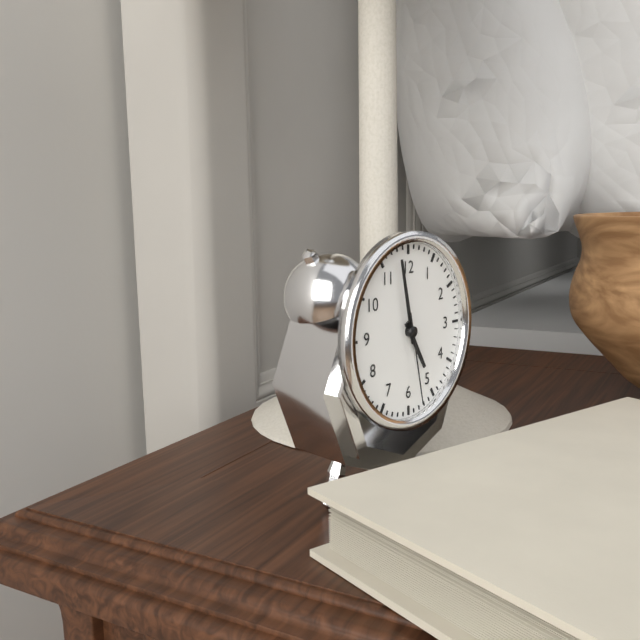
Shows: 4:58:28
